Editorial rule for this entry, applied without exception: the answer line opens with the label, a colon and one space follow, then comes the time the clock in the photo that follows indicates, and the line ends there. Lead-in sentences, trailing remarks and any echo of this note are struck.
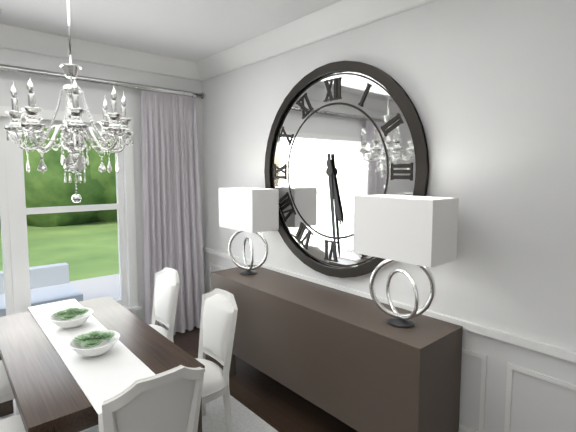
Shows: 5:29
